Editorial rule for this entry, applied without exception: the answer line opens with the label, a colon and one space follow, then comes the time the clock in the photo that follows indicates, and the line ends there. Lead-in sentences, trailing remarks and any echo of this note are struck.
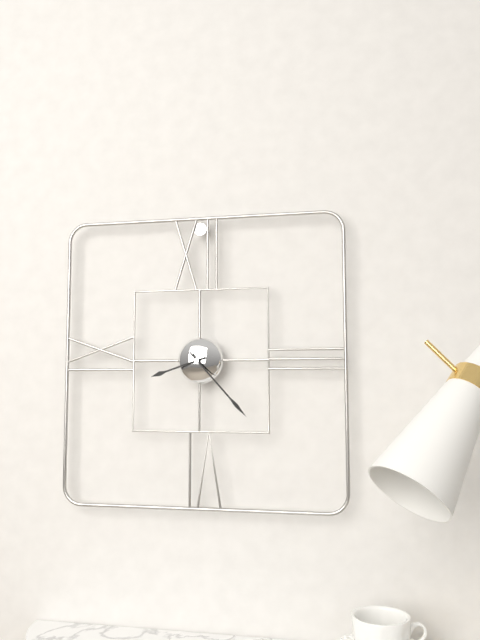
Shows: 8:23
